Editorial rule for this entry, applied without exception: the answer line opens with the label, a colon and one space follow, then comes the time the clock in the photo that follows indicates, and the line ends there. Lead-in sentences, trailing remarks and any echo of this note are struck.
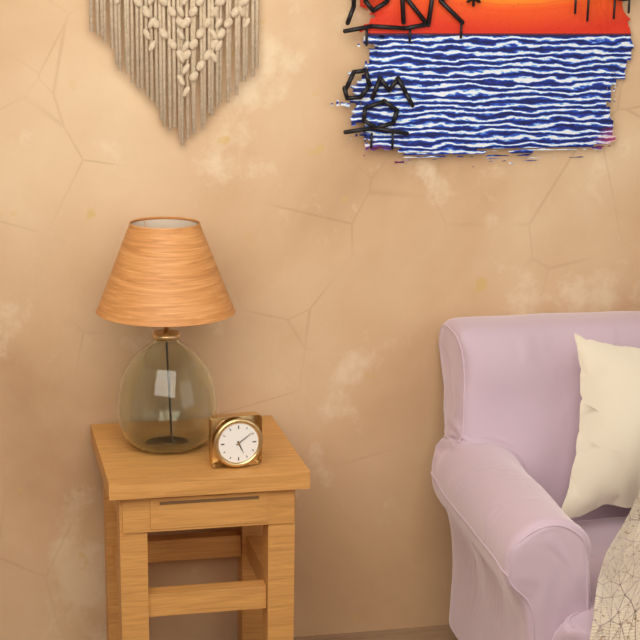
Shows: 5:09
